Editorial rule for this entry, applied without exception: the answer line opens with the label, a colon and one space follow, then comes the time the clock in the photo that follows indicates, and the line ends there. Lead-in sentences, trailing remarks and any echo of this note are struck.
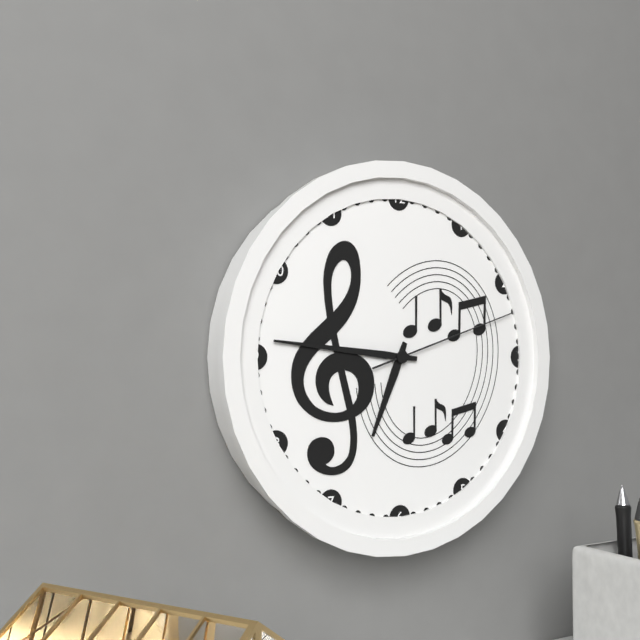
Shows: 6:46:12
